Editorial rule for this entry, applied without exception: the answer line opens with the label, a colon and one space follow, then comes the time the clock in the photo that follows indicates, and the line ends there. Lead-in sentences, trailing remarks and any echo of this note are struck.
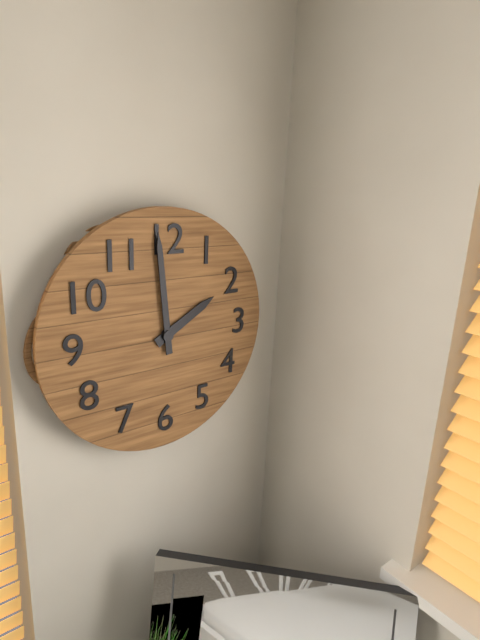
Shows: 1:59
